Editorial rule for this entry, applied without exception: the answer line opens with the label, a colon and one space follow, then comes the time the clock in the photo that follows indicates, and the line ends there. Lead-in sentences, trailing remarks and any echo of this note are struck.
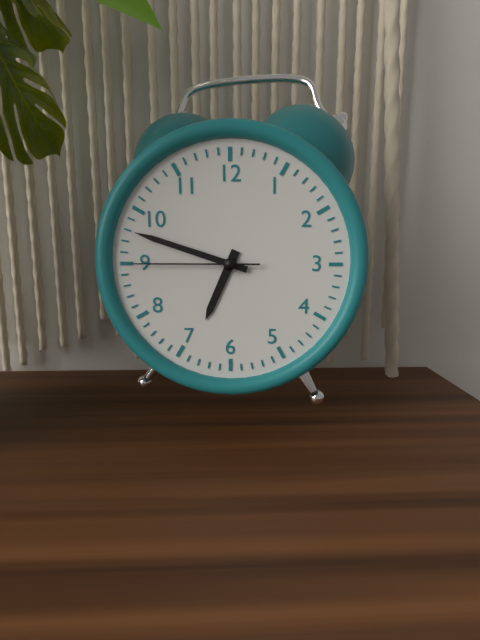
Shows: 6:48:45
